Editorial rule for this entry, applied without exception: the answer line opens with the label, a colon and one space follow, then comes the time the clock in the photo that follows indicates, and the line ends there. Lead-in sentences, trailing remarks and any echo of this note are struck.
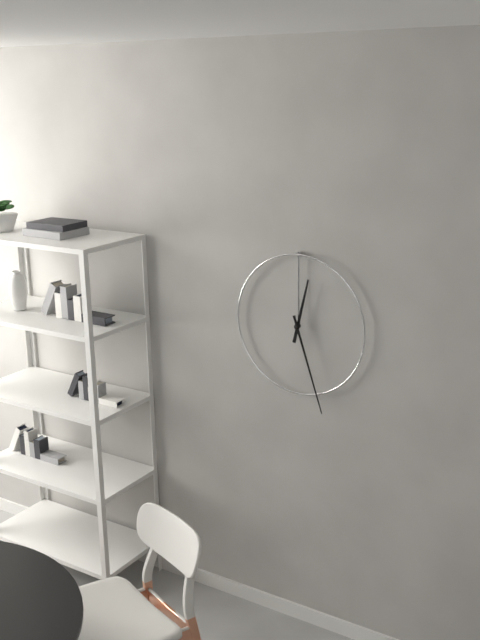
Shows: 12:27
